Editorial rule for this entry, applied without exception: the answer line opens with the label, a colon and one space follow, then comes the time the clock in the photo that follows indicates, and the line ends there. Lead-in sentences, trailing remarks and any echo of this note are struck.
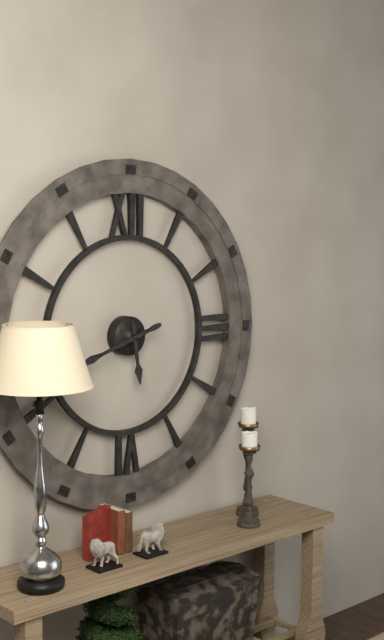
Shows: 5:42
